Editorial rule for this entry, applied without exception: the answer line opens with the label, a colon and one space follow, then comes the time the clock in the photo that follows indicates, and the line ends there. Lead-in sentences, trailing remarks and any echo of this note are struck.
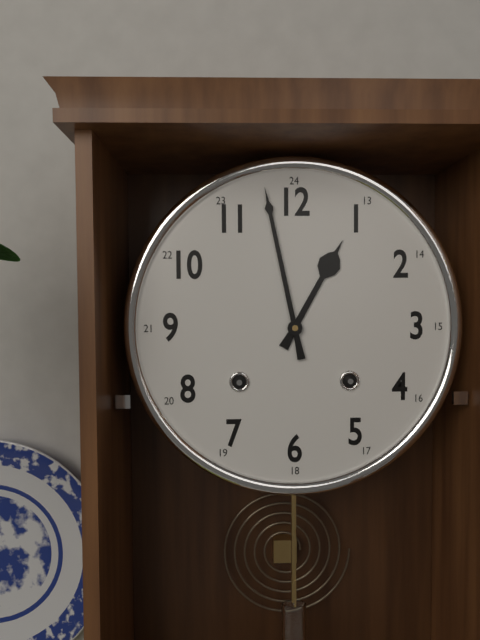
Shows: 12:58
